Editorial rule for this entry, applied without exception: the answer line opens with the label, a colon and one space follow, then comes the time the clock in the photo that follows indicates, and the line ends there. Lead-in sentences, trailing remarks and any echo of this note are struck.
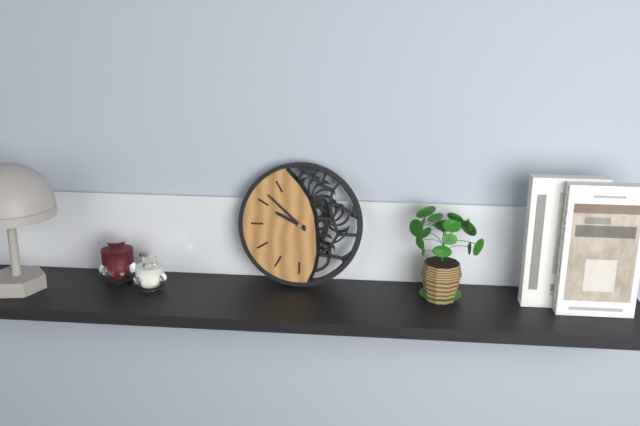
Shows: 9:52
